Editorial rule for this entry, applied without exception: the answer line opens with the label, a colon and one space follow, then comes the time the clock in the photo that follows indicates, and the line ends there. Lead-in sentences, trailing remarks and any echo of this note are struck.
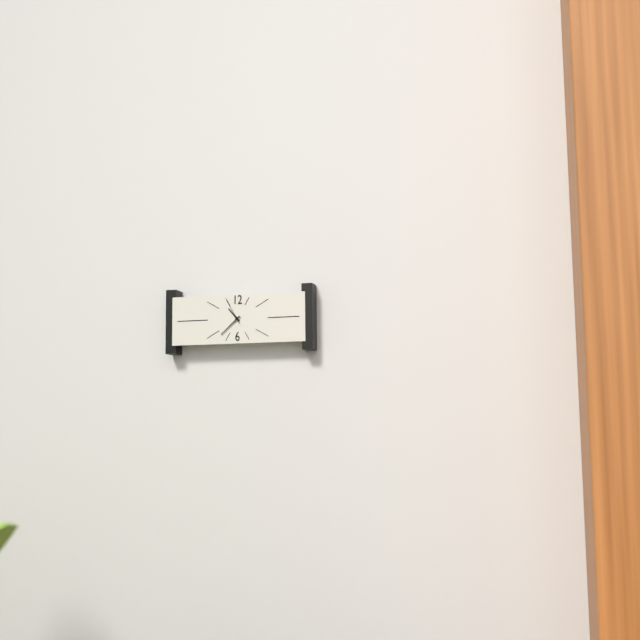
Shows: 10:38
